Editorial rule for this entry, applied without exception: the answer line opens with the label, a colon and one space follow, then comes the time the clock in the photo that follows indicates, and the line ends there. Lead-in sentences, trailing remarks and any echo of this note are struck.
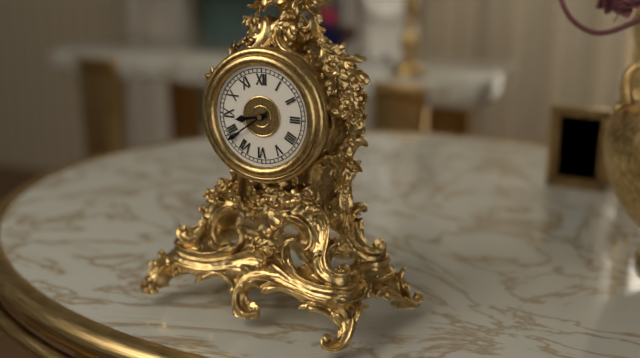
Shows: 8:39
